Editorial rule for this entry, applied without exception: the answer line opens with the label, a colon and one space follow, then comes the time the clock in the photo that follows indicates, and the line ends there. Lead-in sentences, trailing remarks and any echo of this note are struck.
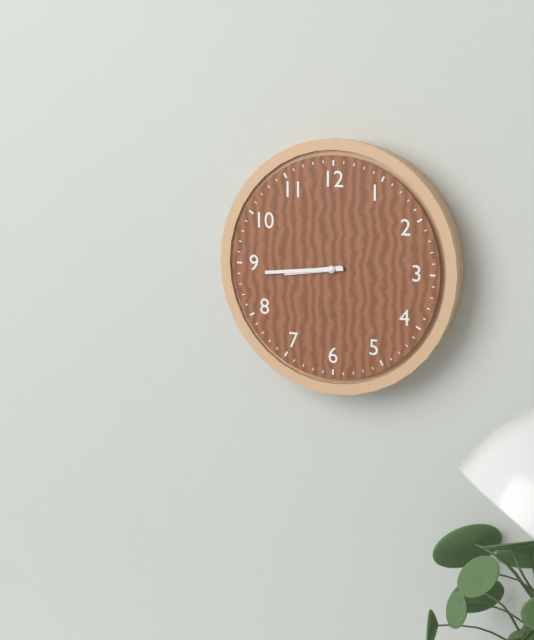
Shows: 8:44
